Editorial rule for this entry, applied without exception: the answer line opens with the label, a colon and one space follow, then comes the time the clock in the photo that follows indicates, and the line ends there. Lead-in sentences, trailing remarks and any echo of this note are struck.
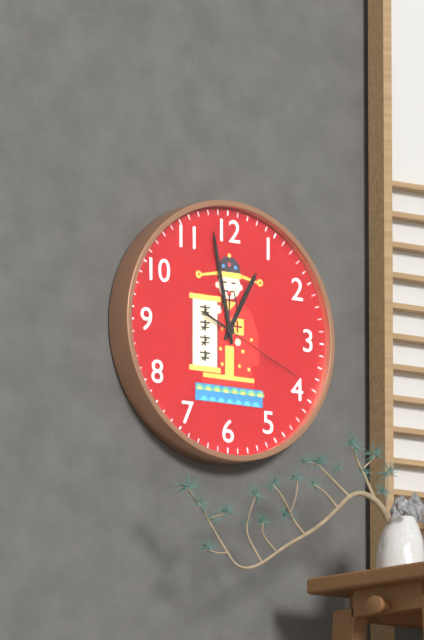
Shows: 12:58:19
